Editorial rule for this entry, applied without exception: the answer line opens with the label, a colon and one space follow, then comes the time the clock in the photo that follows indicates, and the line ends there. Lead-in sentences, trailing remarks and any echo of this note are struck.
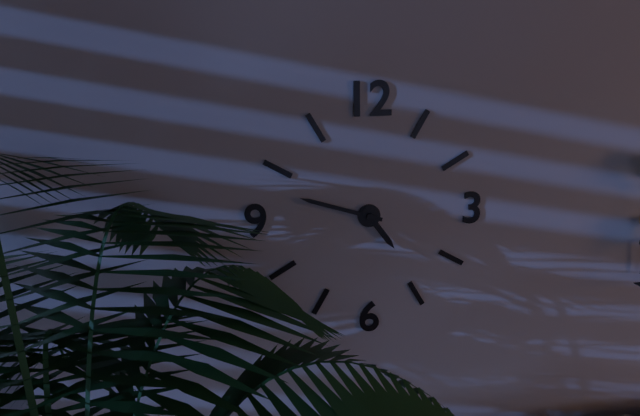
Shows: 4:48
